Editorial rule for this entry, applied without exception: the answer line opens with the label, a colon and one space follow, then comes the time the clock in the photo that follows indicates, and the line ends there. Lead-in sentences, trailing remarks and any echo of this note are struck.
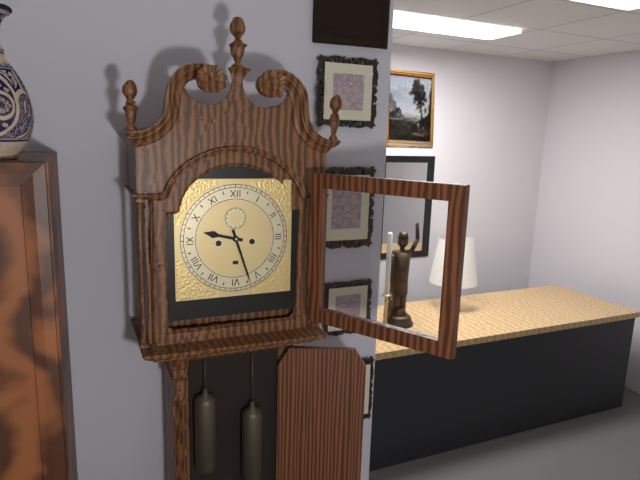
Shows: 9:27
